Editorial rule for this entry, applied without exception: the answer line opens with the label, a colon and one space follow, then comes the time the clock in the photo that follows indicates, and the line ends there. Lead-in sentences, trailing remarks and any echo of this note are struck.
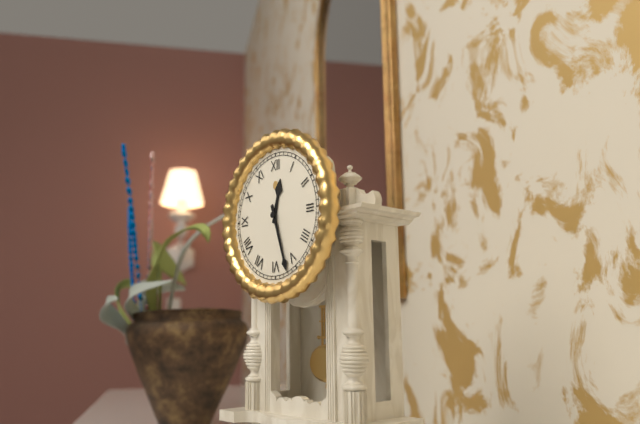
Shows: 12:27
